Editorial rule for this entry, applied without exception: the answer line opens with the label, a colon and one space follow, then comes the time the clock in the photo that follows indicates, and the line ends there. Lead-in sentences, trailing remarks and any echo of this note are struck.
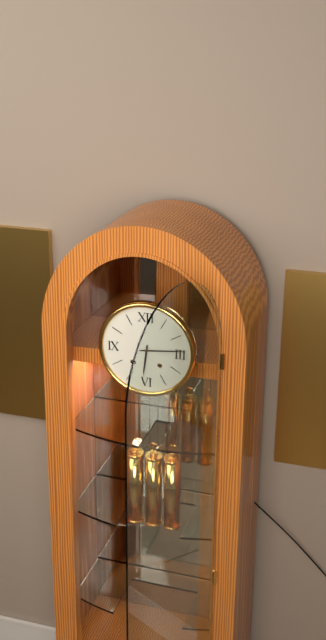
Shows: 6:14
